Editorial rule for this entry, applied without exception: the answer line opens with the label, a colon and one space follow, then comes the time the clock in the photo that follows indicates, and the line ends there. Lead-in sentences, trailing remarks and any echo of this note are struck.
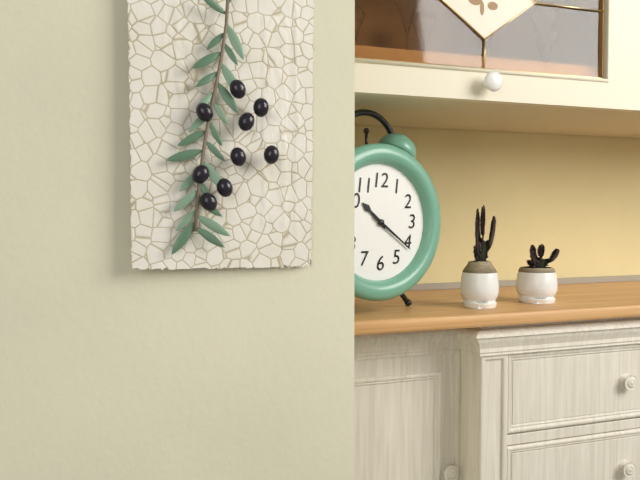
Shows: 10:21
